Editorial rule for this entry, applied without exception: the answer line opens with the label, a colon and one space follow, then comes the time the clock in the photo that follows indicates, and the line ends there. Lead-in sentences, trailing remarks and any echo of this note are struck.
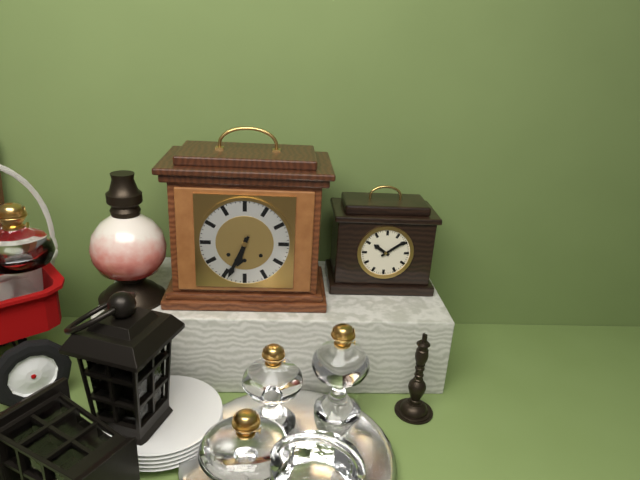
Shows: 6:34
